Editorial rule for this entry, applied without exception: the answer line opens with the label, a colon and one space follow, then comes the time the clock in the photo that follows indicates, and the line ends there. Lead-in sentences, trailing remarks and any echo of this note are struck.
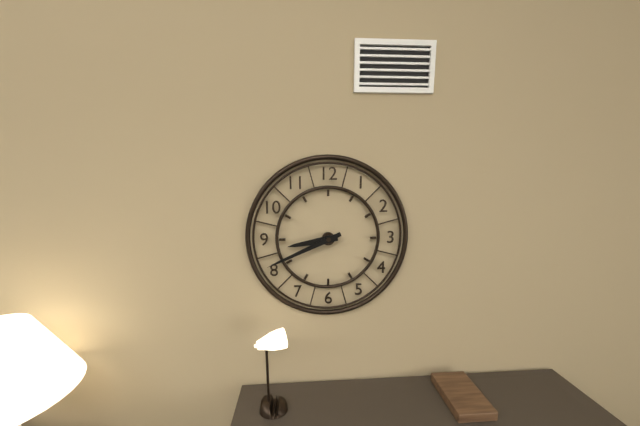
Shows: 8:41
